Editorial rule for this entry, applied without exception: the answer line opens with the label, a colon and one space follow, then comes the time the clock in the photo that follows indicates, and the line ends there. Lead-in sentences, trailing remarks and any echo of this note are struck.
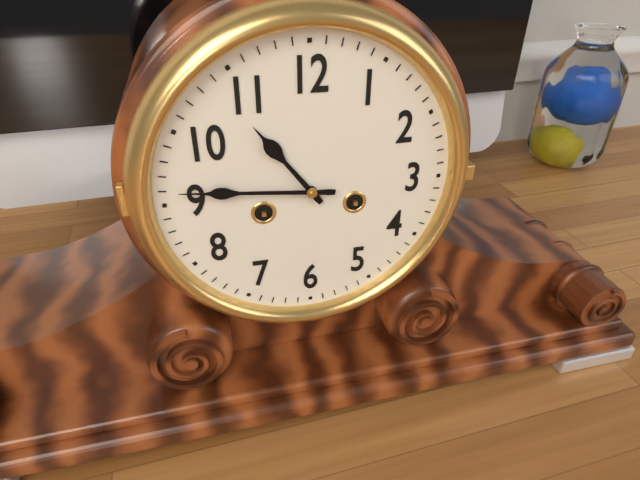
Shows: 10:46
